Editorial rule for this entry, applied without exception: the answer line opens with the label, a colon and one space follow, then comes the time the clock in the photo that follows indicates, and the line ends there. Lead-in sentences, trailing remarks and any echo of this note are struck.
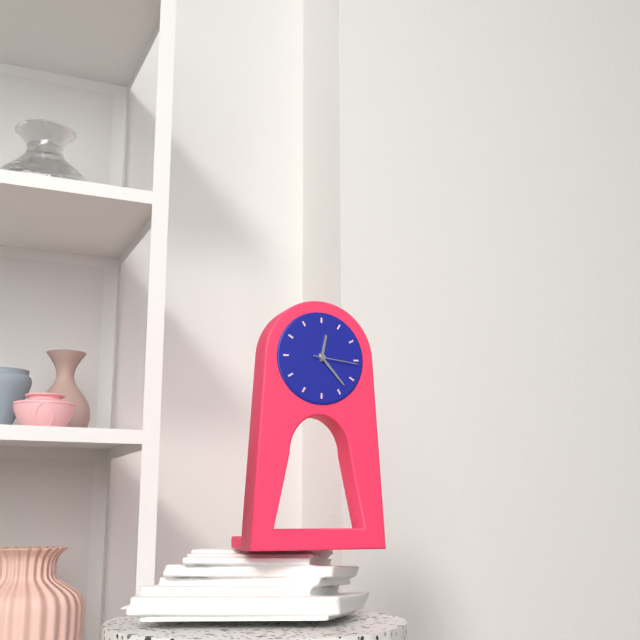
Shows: 12:23:16
